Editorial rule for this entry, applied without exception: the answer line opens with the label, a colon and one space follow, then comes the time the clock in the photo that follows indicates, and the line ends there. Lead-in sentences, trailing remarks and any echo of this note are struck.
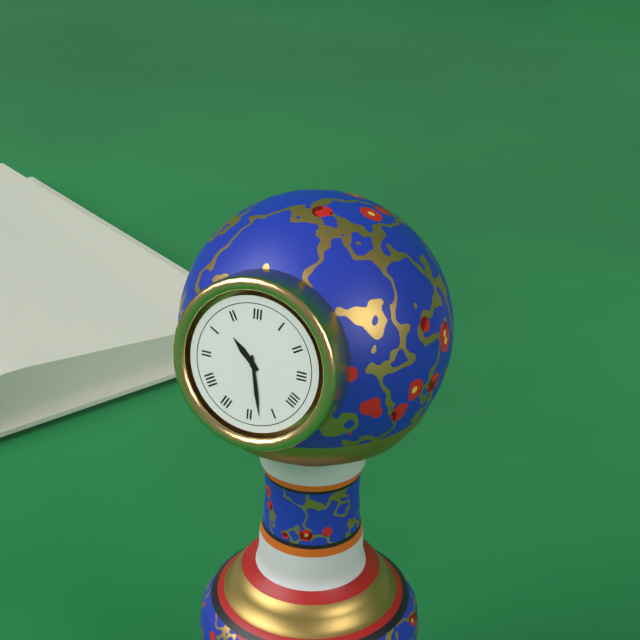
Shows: 10:28
